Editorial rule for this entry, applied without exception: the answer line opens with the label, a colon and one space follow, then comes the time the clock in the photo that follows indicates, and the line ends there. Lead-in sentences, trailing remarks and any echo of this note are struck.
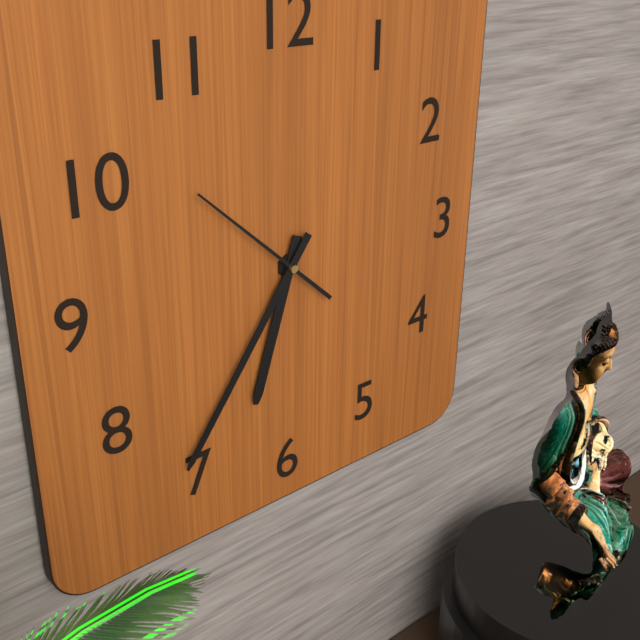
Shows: 6:36:52
